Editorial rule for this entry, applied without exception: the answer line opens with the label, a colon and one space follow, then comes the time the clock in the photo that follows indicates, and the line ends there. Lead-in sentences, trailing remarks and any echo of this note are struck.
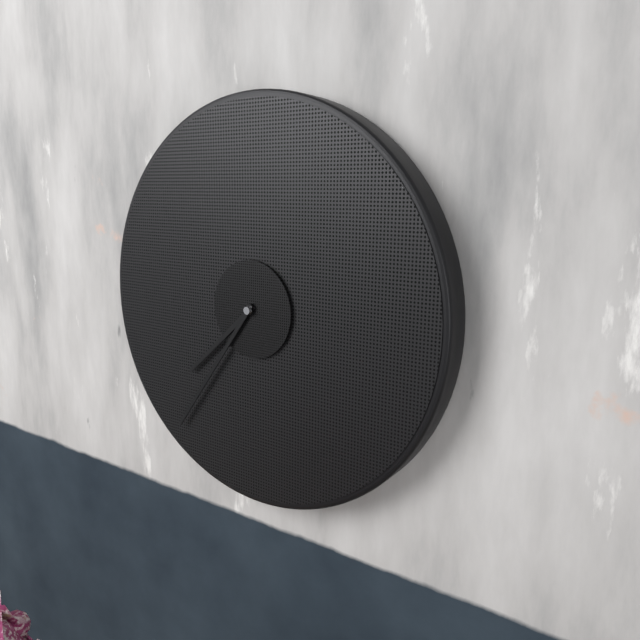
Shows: 7:36
